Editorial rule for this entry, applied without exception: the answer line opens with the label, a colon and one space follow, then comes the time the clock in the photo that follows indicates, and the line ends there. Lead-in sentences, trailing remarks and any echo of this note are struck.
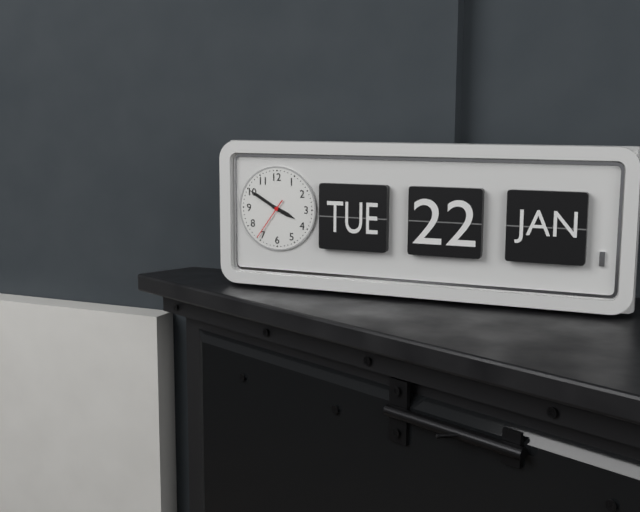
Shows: 3:50
